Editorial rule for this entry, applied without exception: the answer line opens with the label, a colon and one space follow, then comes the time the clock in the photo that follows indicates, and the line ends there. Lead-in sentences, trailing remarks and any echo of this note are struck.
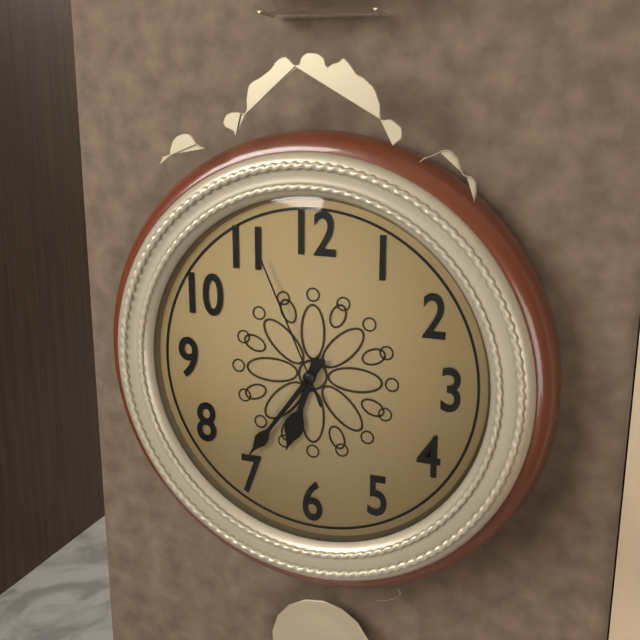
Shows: 6:36:56
